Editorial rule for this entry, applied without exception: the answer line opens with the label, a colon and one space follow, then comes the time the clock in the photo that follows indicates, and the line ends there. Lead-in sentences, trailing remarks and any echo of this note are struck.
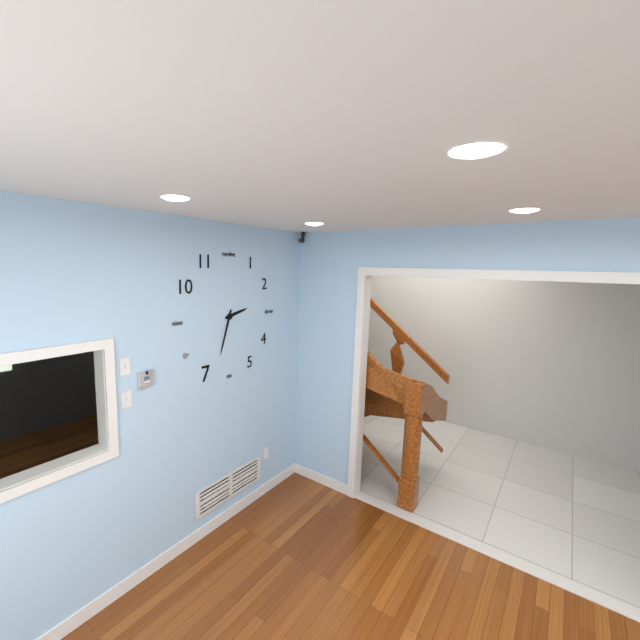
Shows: 2:33
